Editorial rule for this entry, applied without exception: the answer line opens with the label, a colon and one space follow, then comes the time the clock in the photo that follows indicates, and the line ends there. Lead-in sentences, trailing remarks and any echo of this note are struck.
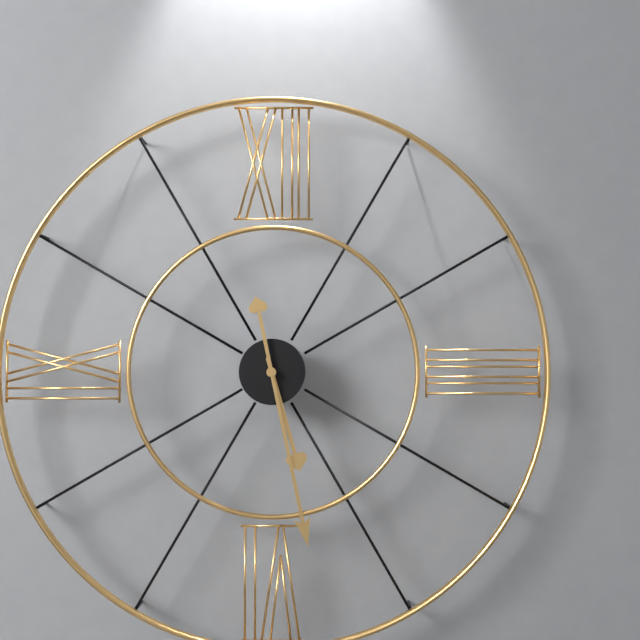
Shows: 5:28
